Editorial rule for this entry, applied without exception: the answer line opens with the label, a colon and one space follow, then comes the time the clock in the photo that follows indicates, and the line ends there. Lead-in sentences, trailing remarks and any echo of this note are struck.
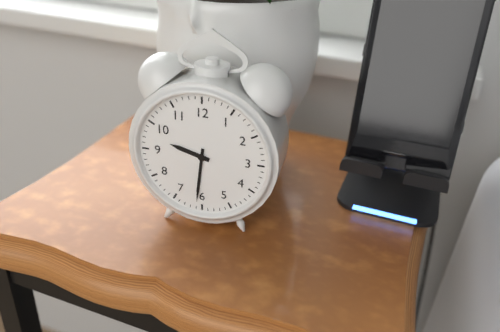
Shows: 9:31
